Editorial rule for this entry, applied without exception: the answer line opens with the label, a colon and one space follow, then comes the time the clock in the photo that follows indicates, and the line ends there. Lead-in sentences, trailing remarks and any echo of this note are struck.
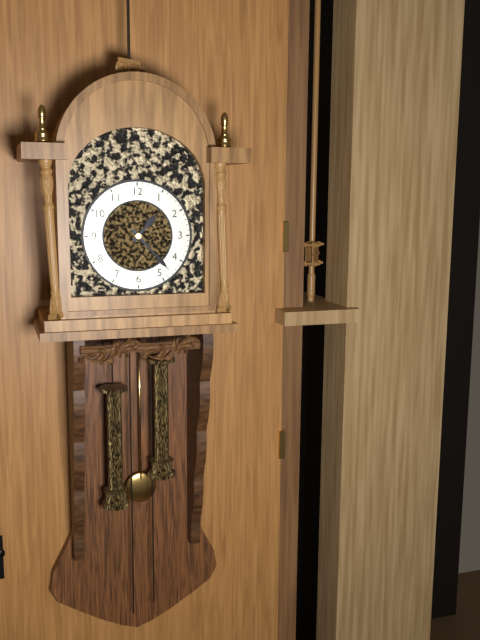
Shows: 1:23
